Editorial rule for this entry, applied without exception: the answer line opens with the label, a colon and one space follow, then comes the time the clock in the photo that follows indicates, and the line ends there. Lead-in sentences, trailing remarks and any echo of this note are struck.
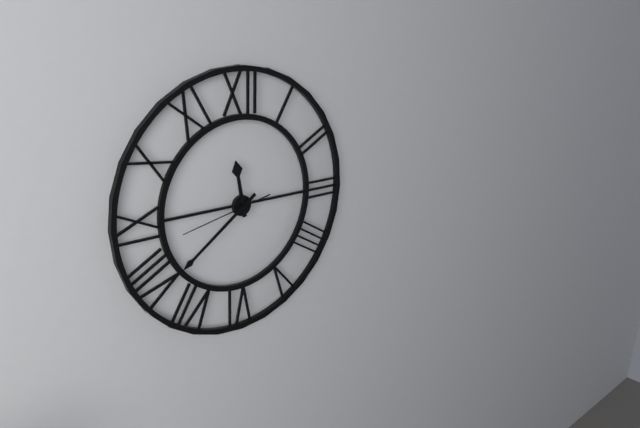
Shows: 11:39:43
